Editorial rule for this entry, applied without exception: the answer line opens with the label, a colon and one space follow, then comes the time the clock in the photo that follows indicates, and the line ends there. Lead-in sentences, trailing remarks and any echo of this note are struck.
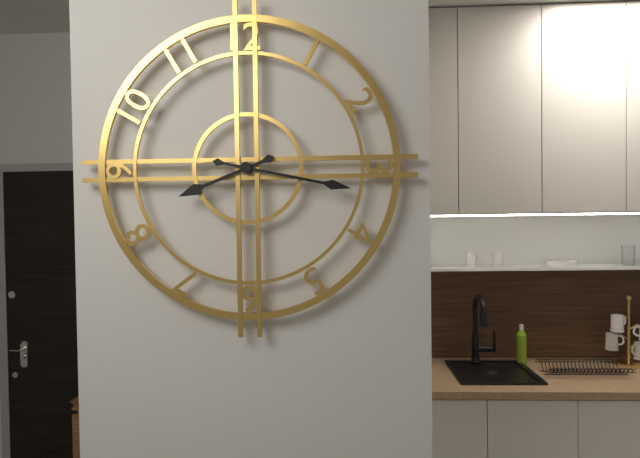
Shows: 8:17
